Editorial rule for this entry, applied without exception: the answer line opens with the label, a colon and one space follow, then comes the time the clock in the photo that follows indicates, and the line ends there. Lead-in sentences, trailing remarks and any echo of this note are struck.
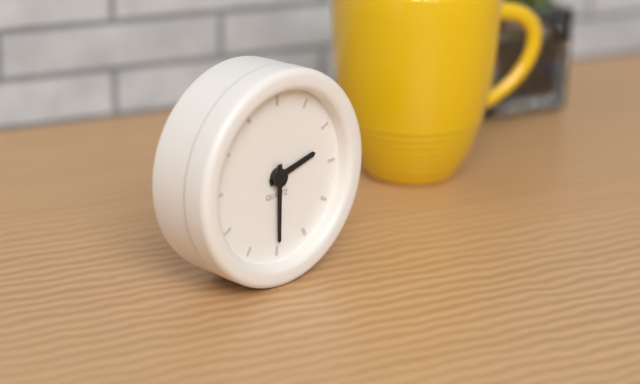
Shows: 2:30
